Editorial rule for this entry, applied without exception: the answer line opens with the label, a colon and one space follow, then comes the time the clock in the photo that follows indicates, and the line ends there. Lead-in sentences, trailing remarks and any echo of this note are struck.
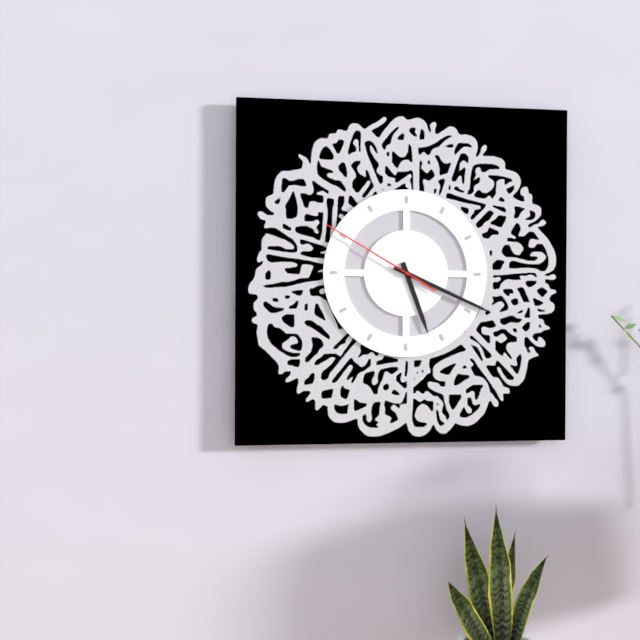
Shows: 5:19:50
